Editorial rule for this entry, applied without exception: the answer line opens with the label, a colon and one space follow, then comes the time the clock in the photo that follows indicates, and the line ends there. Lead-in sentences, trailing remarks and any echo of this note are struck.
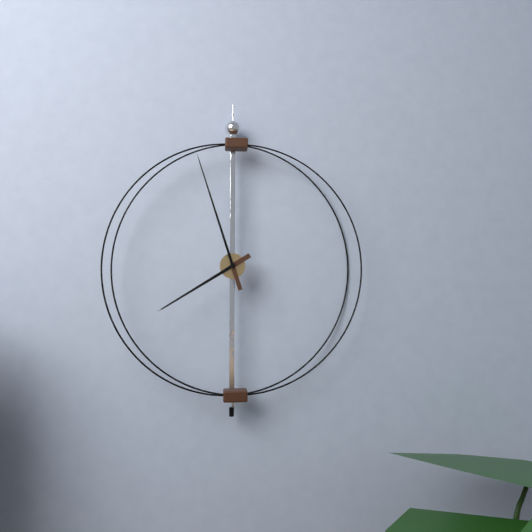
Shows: 7:57
